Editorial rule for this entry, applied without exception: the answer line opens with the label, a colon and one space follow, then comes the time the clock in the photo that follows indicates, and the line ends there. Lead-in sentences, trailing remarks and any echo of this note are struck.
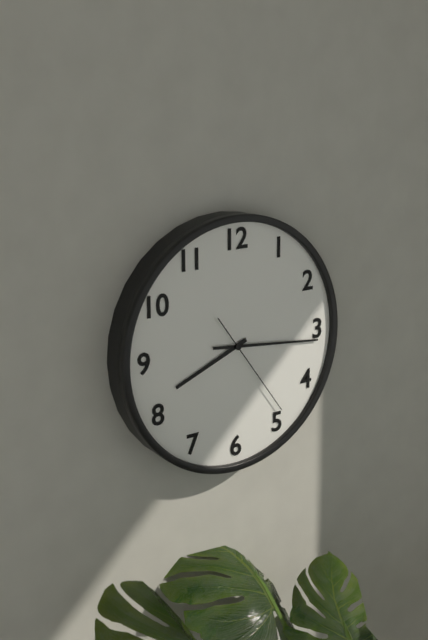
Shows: 8:16:24
